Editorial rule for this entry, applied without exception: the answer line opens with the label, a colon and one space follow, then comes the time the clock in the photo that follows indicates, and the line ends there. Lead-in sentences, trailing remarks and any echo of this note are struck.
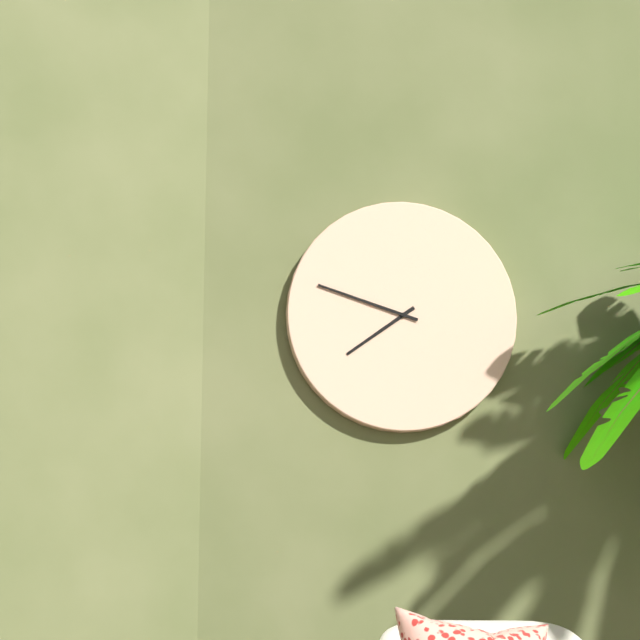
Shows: 7:48
